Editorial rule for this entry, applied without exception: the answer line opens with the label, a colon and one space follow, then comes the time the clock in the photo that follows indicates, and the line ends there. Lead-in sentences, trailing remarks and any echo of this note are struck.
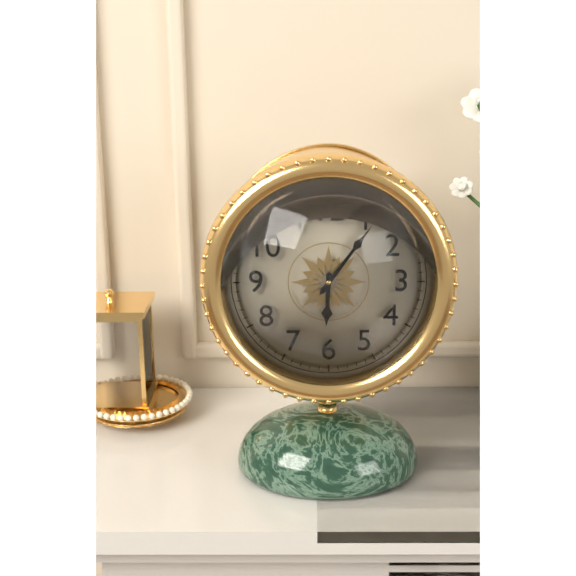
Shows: 6:06
